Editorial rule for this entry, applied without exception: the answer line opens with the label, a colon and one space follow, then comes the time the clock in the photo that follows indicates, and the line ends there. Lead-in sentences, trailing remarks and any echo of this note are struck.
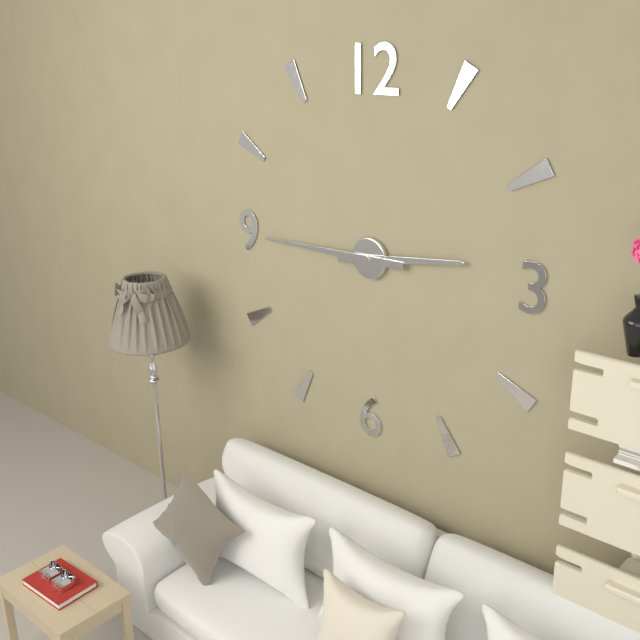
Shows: 2:45
